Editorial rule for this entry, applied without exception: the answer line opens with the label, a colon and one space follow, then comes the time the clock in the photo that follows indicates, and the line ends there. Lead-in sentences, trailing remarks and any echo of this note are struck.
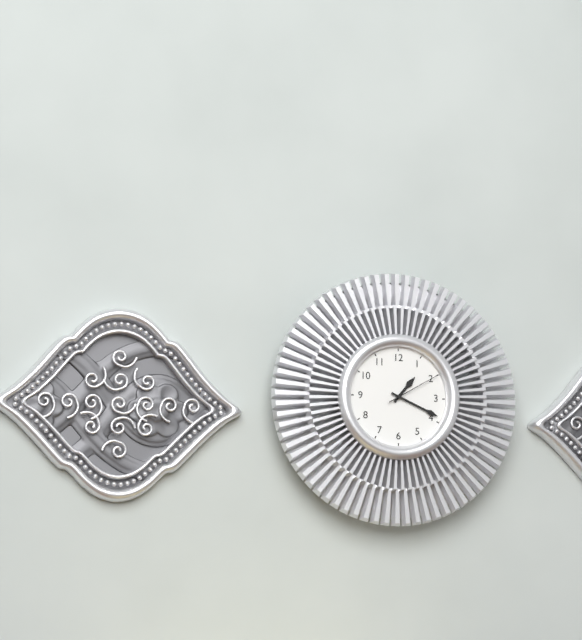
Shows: 1:19:10
